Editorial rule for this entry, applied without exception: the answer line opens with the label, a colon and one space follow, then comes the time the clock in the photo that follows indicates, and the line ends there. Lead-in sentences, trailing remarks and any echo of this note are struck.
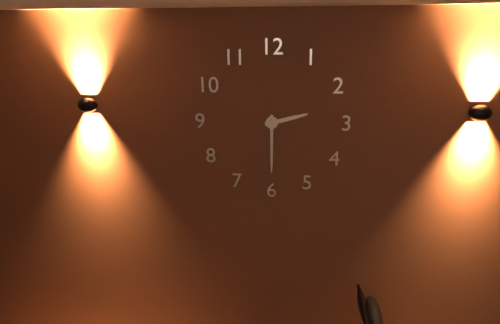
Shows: 2:30
